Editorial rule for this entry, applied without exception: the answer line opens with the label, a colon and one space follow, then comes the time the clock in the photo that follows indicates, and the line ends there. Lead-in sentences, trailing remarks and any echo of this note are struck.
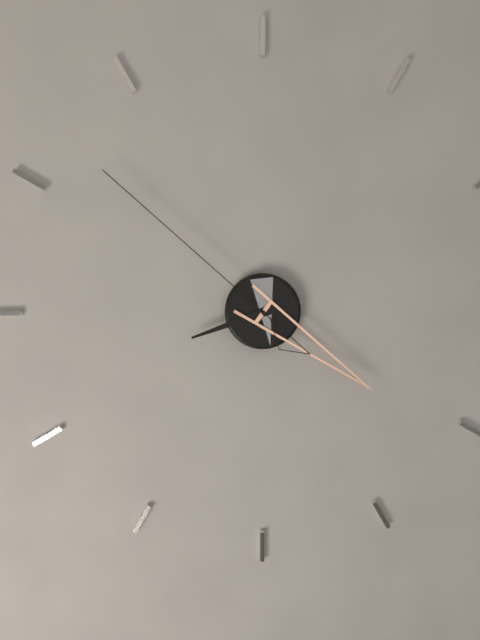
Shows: 8:21:52
